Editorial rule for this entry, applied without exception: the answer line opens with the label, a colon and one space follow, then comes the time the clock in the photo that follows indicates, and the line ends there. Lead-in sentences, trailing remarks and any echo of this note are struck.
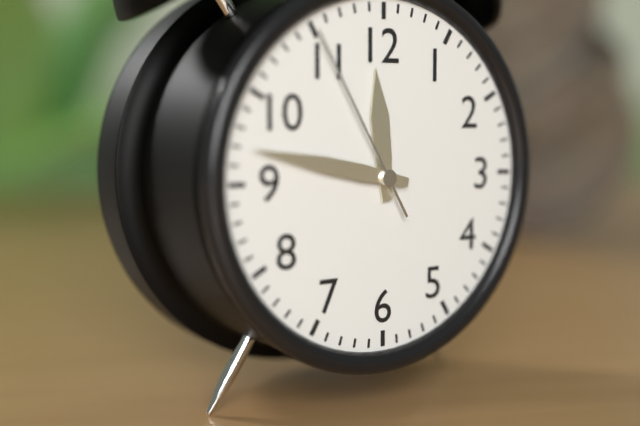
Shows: 11:47:55
